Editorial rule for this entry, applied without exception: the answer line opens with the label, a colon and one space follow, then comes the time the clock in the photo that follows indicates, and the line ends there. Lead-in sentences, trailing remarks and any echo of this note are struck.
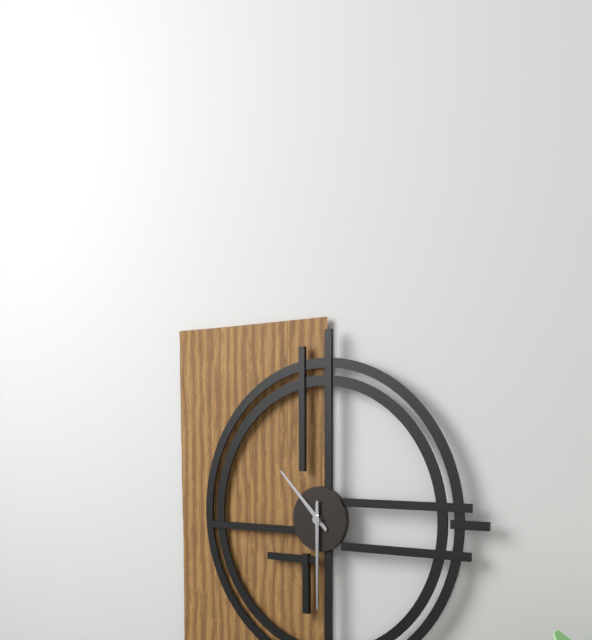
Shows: 10:30
